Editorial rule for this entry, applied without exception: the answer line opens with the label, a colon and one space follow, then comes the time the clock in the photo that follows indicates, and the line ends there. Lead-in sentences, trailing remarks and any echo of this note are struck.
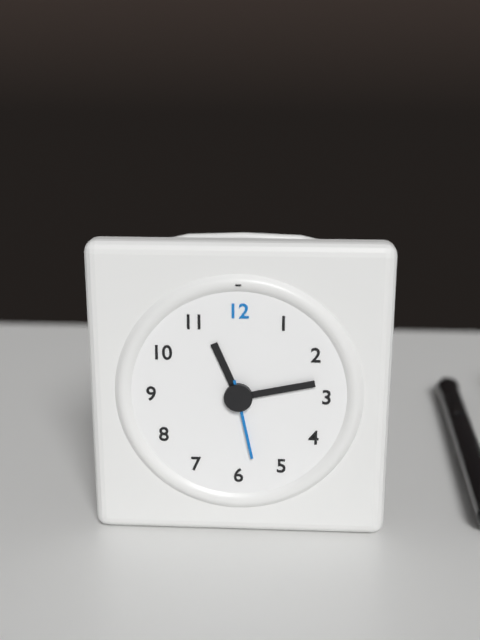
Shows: 11:13:28
